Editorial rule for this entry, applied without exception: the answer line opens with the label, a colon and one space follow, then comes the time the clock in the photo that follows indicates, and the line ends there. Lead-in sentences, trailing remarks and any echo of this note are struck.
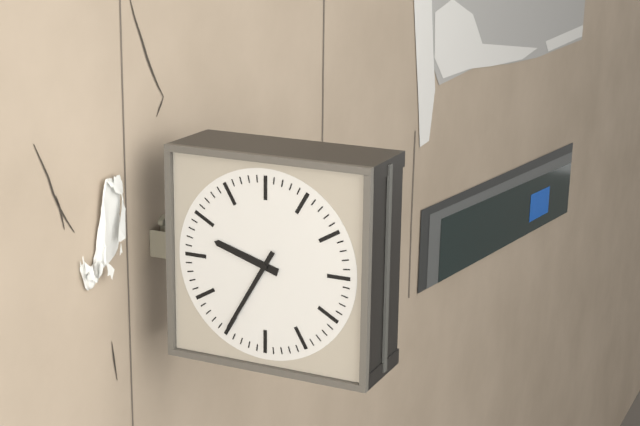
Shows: 9:35
